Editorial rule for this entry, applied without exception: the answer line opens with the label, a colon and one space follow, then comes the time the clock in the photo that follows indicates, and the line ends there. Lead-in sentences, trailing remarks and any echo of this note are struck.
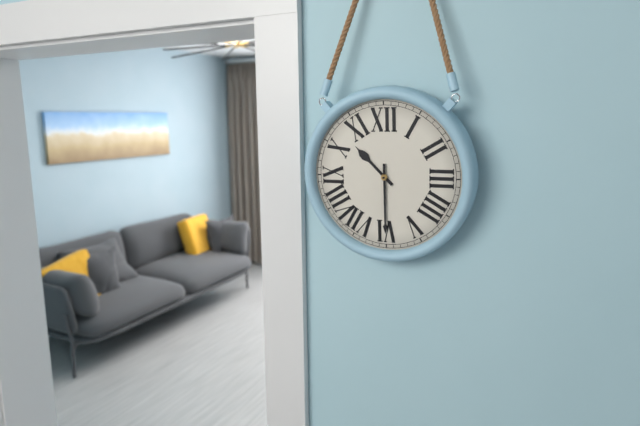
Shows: 10:30
